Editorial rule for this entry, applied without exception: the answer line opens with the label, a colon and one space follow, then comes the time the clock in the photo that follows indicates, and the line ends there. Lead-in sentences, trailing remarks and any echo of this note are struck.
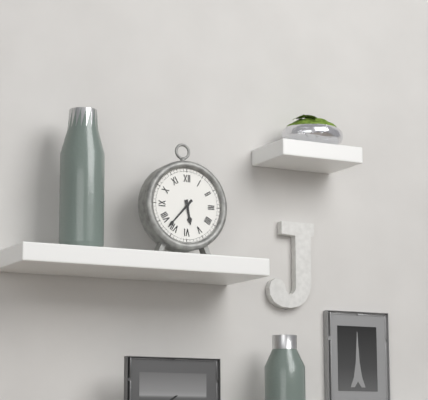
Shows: 5:37
